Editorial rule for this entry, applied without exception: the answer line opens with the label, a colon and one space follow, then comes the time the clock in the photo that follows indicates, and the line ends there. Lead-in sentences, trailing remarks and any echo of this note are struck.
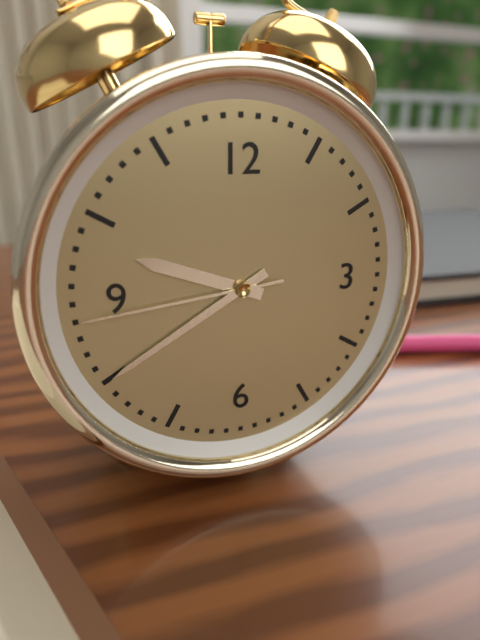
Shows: 9:40:44
